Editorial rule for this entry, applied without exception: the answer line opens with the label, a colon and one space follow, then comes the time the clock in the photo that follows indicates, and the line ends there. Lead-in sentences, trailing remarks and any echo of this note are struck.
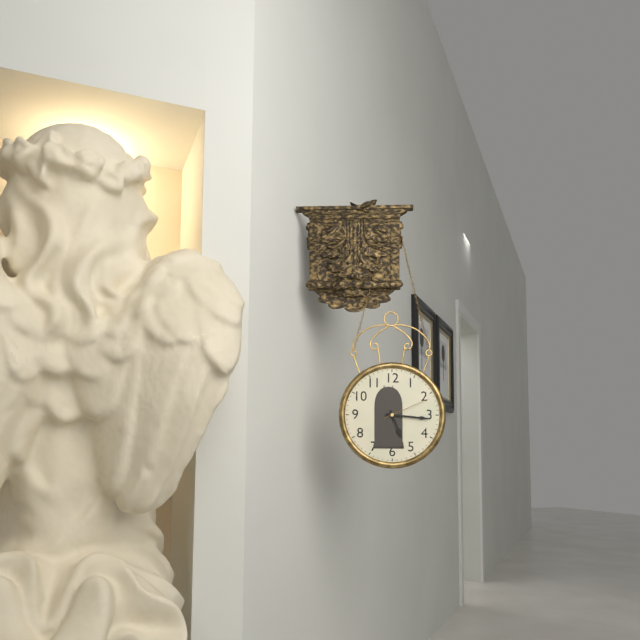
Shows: 5:16
